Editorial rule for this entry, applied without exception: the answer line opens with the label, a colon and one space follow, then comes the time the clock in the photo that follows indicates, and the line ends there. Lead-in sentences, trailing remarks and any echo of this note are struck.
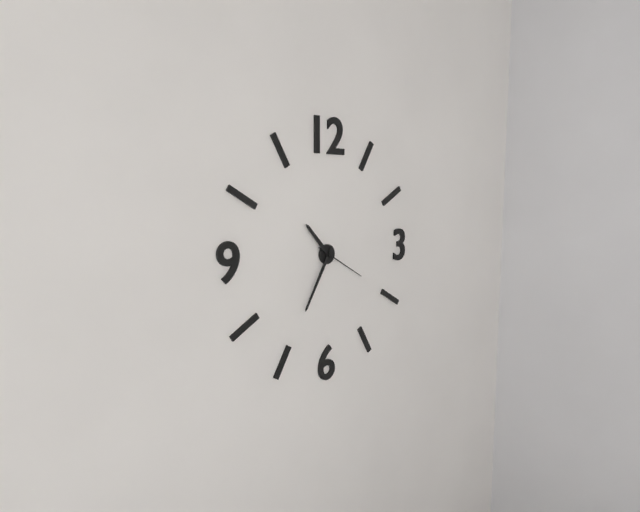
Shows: 10:35:20
